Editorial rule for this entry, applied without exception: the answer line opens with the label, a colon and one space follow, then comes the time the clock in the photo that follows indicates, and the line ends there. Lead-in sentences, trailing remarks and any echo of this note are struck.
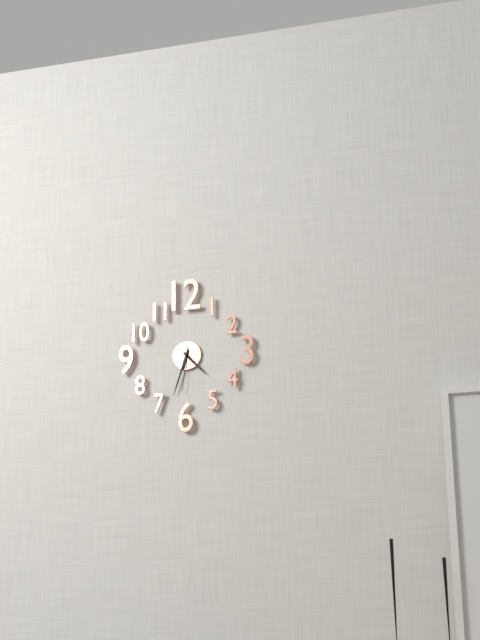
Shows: 4:33
